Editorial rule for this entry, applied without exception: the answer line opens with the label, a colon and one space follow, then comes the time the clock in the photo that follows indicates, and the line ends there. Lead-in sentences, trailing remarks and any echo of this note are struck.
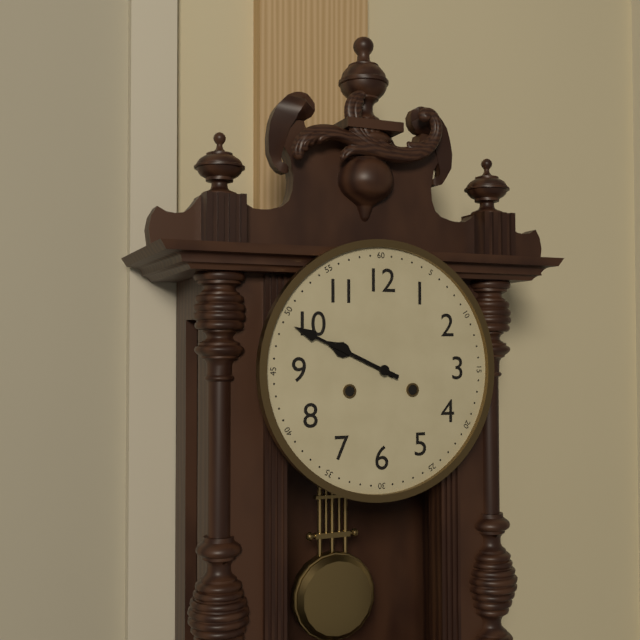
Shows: 9:49
